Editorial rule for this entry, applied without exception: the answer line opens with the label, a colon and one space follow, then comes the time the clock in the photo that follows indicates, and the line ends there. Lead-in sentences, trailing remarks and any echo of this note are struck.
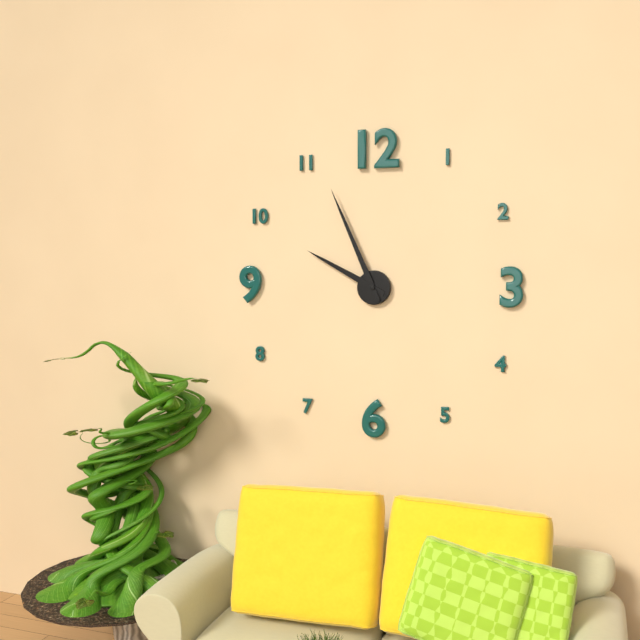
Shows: 9:56
